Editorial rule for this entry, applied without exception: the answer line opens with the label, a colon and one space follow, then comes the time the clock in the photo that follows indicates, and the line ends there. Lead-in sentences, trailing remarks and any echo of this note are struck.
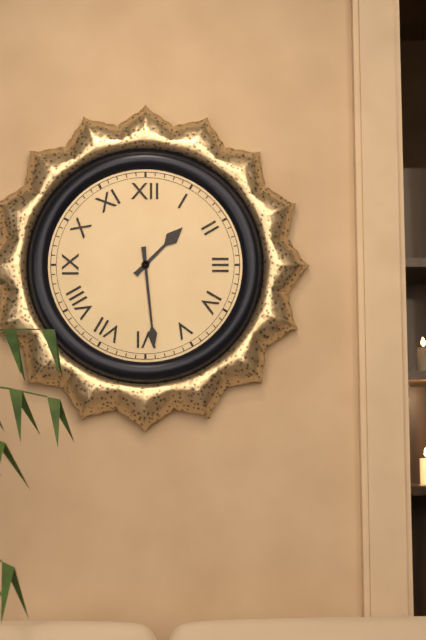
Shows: 1:29
